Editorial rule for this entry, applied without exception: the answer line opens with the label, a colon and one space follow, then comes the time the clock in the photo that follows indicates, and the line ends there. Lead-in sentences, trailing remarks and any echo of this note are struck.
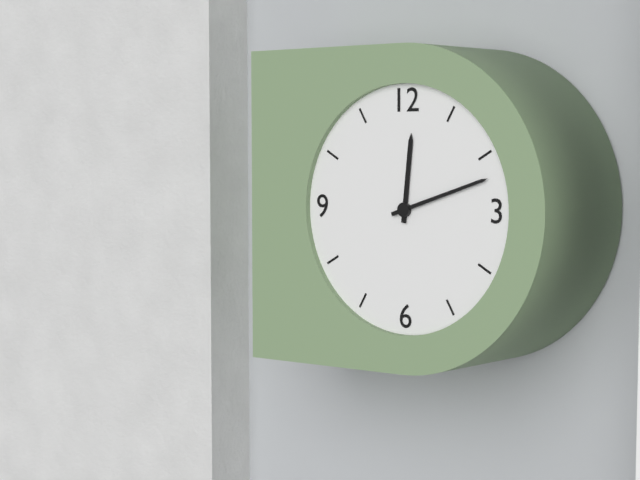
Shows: 12:12
